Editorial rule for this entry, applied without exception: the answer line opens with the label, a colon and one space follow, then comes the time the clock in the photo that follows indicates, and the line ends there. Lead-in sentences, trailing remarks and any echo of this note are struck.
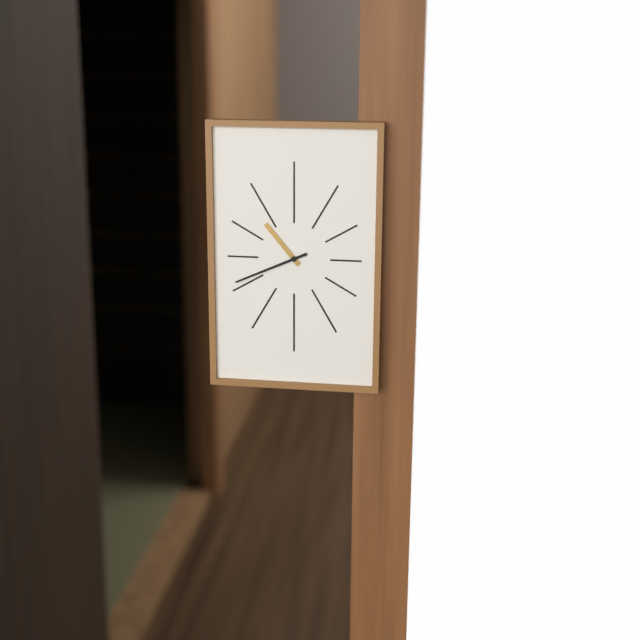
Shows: 10:41
